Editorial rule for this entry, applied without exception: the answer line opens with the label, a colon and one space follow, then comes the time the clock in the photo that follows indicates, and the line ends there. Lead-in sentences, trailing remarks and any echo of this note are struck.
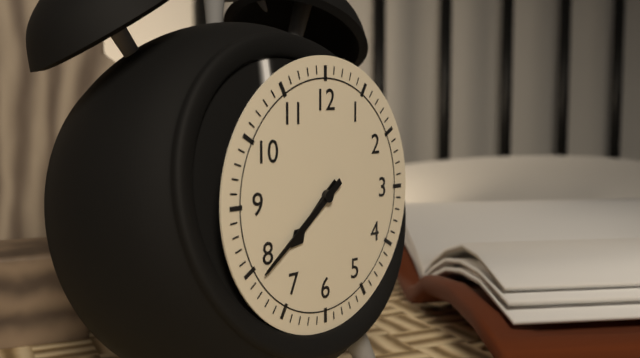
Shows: 7:39
